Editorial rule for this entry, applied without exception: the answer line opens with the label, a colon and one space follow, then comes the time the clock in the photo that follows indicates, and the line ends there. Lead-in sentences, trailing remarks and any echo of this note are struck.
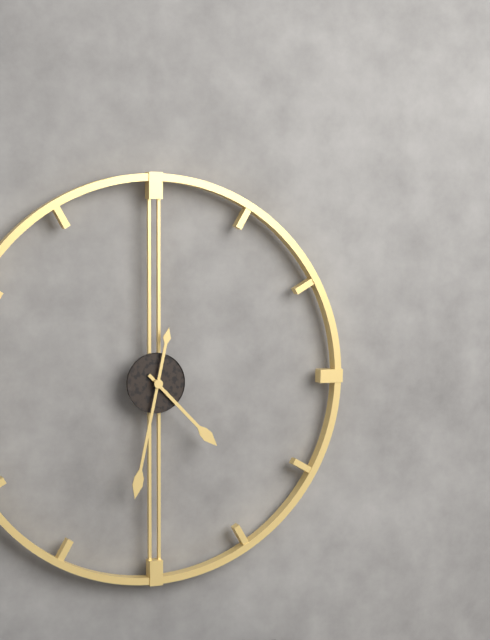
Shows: 4:32
